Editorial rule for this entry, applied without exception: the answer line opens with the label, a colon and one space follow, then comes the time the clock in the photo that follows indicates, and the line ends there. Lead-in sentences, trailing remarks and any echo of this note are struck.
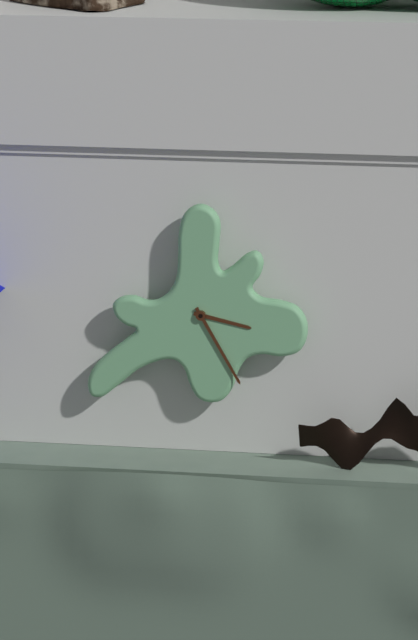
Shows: 3:25
